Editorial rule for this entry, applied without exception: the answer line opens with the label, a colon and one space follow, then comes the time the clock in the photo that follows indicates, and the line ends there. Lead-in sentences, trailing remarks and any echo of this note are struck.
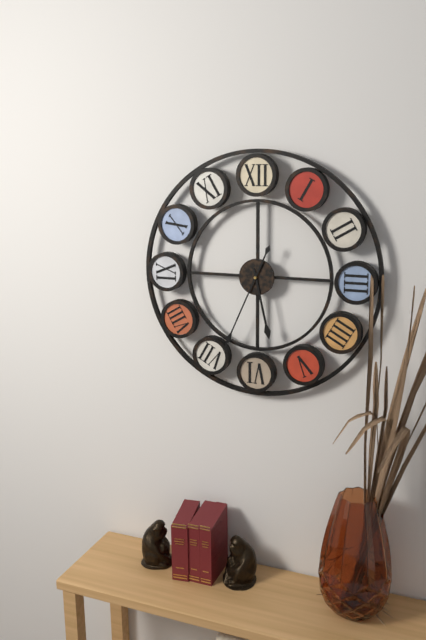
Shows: 5:34
